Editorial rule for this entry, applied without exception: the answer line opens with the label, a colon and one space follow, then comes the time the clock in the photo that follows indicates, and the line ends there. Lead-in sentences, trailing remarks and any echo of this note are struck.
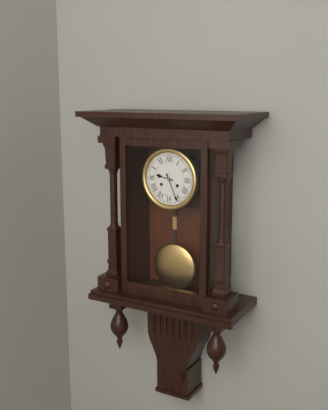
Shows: 9:26
